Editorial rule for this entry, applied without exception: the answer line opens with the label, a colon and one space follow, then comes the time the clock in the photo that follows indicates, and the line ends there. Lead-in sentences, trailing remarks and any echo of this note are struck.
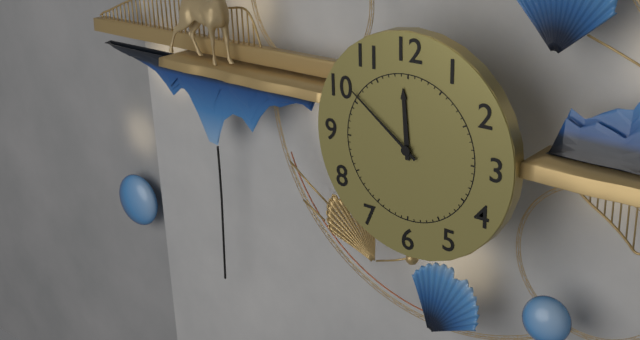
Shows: 11:51
